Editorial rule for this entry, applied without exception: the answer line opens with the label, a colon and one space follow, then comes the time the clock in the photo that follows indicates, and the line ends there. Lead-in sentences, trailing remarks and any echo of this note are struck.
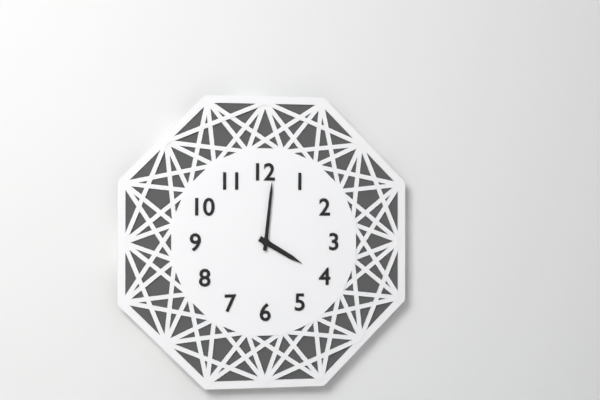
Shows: 4:01
